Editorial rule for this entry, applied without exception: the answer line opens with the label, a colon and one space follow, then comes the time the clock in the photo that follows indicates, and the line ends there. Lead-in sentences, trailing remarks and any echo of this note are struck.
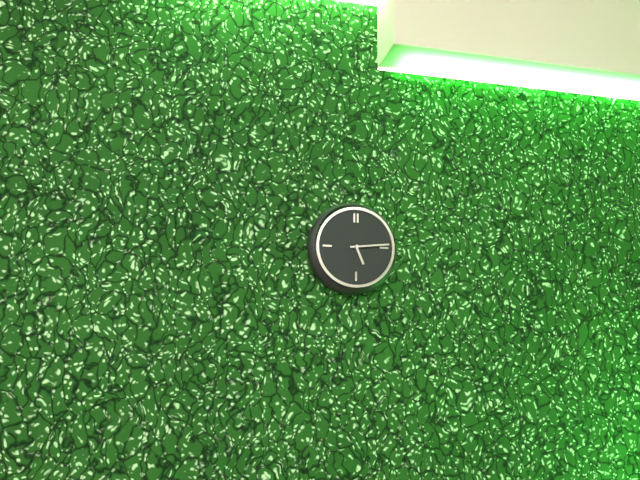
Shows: 5:14
